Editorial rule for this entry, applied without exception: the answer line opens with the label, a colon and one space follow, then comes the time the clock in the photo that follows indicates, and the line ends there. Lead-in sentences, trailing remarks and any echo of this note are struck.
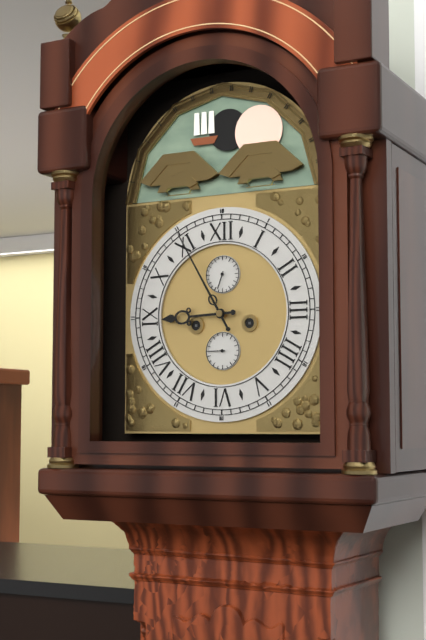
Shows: 8:55
